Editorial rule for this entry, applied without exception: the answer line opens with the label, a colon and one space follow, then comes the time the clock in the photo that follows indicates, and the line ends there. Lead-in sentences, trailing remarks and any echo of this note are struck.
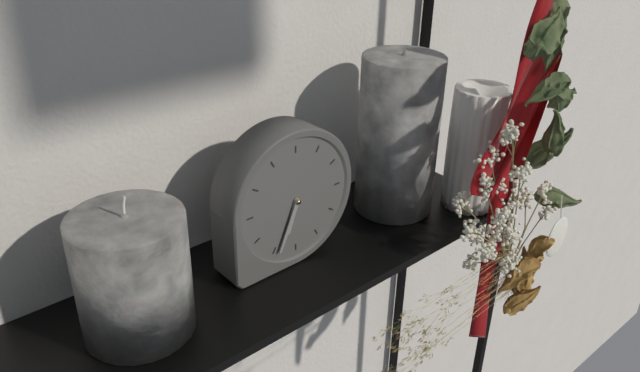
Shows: 6:34
